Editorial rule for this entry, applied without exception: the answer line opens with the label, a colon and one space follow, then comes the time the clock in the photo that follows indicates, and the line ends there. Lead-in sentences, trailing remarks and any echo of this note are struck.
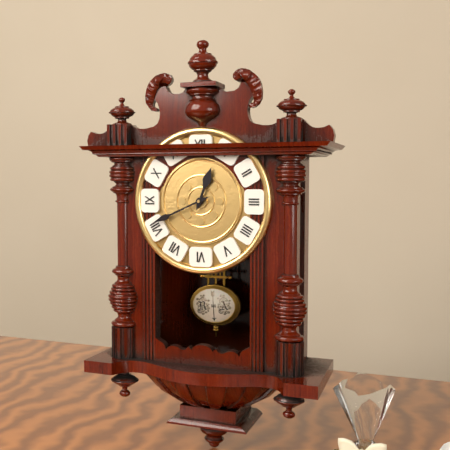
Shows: 12:41
